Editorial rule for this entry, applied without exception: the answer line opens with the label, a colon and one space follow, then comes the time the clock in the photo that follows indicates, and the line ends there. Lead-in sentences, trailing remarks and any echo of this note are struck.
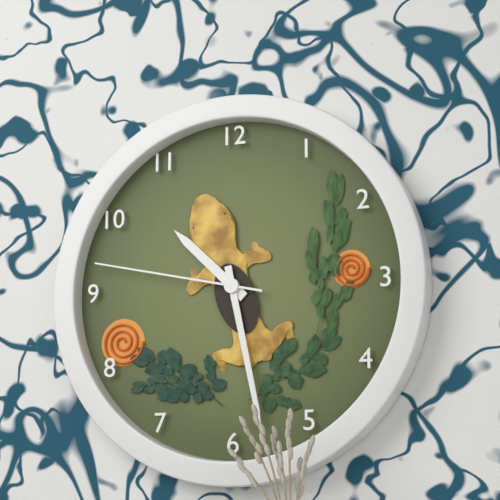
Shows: 10:28:47
